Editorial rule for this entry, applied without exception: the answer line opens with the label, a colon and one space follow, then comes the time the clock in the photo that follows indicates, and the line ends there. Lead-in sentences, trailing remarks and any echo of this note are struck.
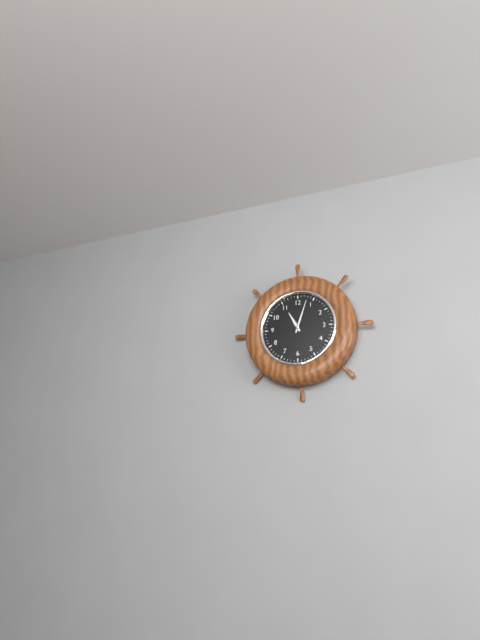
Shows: 11:03
